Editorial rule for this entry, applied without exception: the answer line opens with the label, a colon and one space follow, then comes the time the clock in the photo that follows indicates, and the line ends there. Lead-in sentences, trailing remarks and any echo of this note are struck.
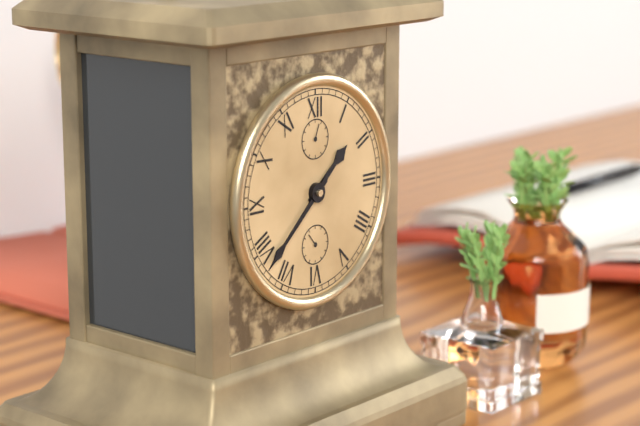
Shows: 1:38
